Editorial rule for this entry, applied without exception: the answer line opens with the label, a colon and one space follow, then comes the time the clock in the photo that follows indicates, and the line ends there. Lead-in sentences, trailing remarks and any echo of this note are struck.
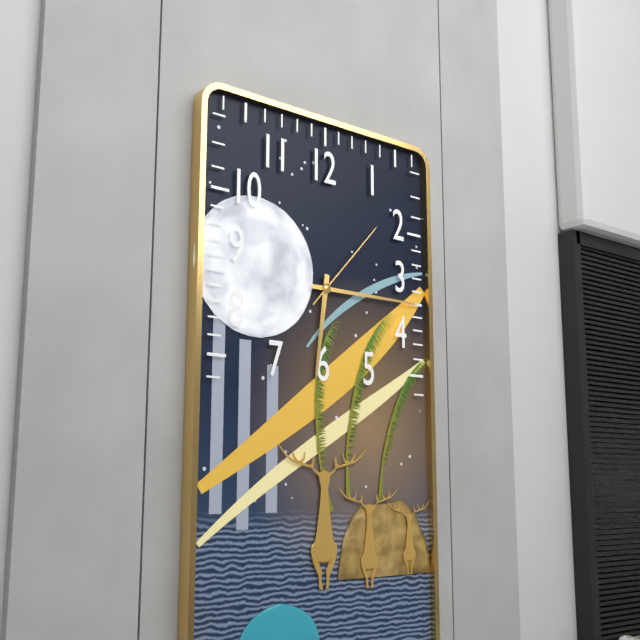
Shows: 6:15:07
